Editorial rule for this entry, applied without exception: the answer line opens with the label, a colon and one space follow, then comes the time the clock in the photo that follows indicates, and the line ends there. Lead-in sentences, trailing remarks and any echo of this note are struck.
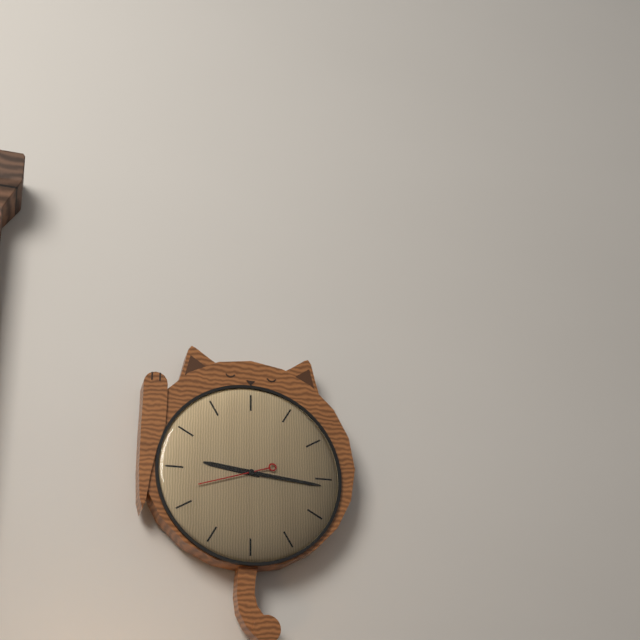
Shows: 9:16:42
